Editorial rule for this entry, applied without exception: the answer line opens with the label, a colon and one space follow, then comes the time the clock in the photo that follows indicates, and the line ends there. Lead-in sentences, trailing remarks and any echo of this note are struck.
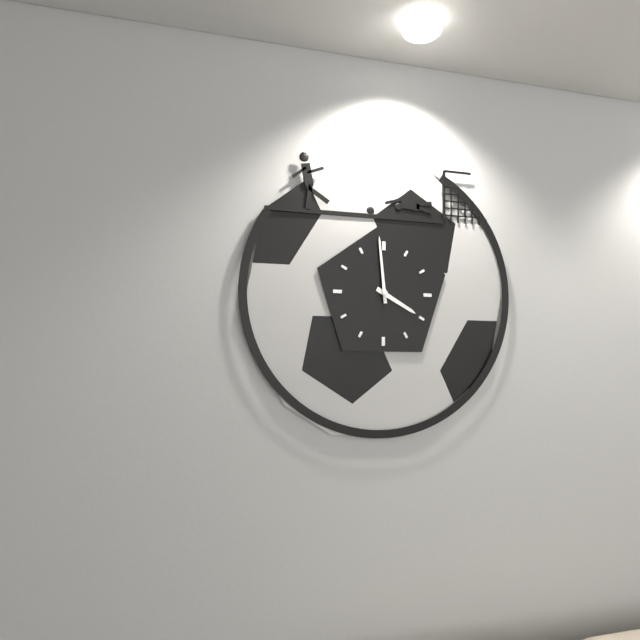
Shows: 3:59
